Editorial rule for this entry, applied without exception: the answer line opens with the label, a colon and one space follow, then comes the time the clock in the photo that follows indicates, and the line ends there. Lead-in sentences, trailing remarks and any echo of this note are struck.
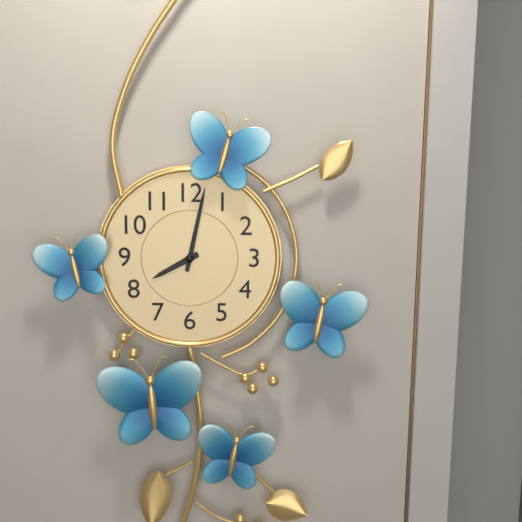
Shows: 8:02
